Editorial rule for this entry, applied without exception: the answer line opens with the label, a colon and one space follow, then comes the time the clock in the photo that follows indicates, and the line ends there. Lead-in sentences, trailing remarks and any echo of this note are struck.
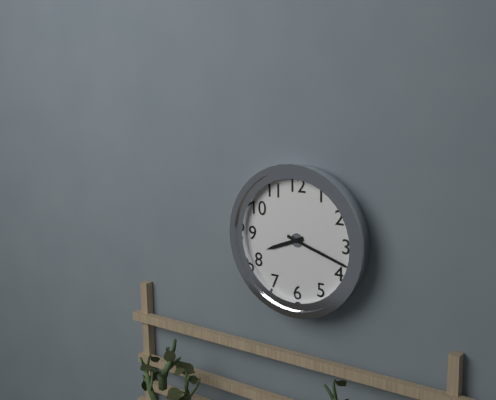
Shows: 8:18
